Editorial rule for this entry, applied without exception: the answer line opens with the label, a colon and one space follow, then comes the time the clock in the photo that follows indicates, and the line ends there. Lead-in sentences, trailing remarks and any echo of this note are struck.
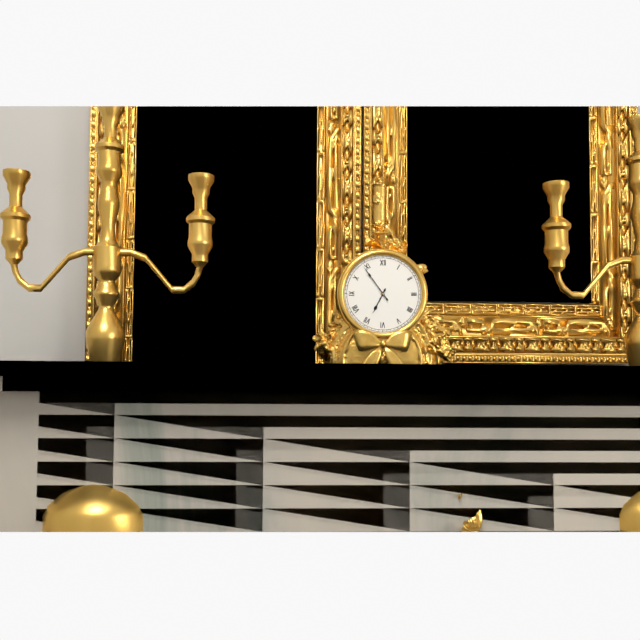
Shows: 6:54
